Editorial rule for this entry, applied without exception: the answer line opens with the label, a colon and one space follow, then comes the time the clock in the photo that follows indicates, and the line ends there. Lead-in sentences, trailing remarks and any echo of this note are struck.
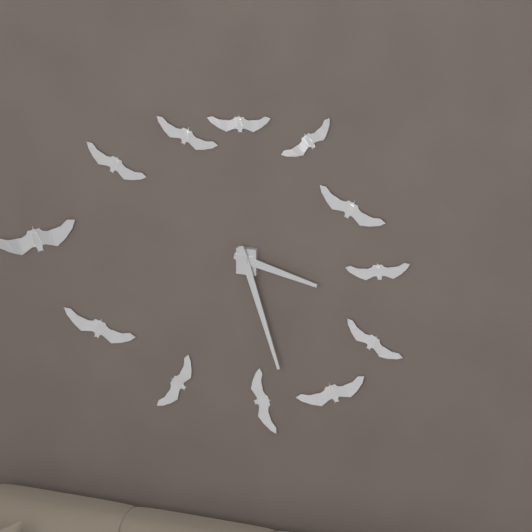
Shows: 3:27
